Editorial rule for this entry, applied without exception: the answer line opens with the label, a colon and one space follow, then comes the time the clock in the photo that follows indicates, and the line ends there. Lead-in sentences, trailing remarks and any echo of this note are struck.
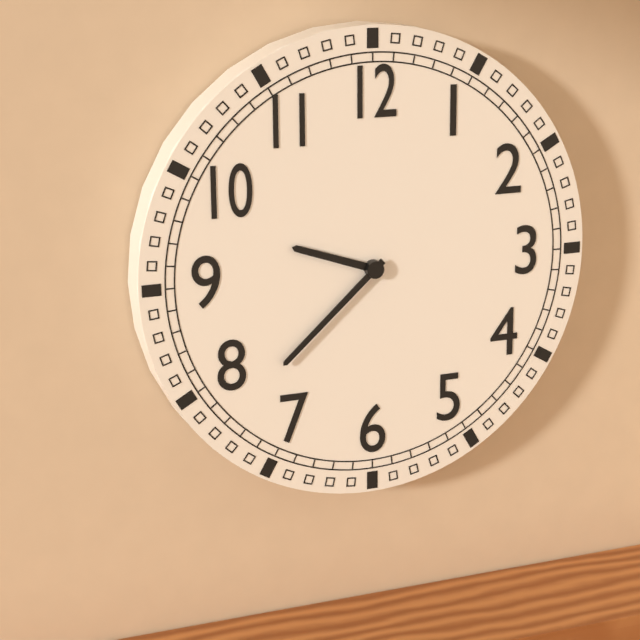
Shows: 9:38
